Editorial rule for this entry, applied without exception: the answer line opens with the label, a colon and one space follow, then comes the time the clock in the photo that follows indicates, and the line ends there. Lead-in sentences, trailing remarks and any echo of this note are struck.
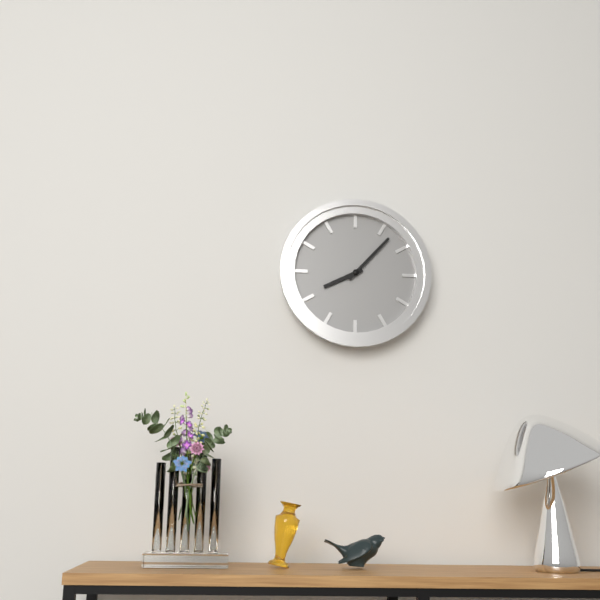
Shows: 8:07
